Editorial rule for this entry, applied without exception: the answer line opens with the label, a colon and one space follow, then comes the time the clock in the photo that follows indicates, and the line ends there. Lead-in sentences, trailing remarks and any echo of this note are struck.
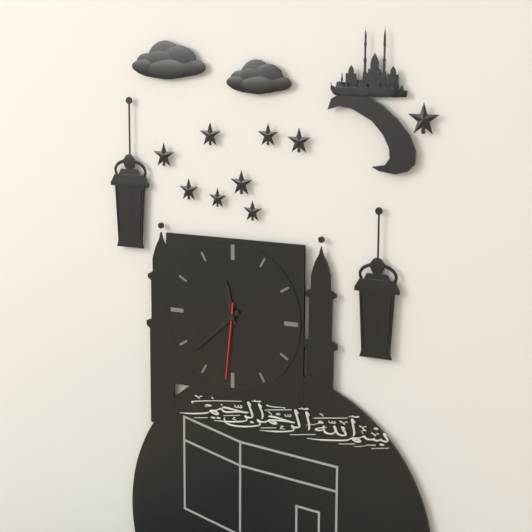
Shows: 11:38:31
